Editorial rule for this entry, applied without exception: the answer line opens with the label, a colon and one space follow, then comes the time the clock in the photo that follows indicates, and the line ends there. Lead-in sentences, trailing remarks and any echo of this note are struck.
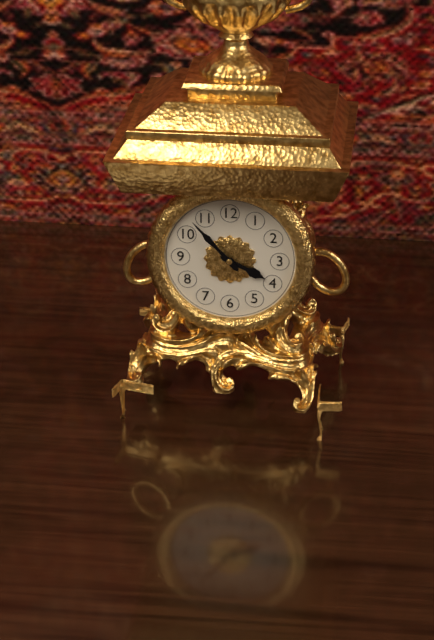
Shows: 3:53
